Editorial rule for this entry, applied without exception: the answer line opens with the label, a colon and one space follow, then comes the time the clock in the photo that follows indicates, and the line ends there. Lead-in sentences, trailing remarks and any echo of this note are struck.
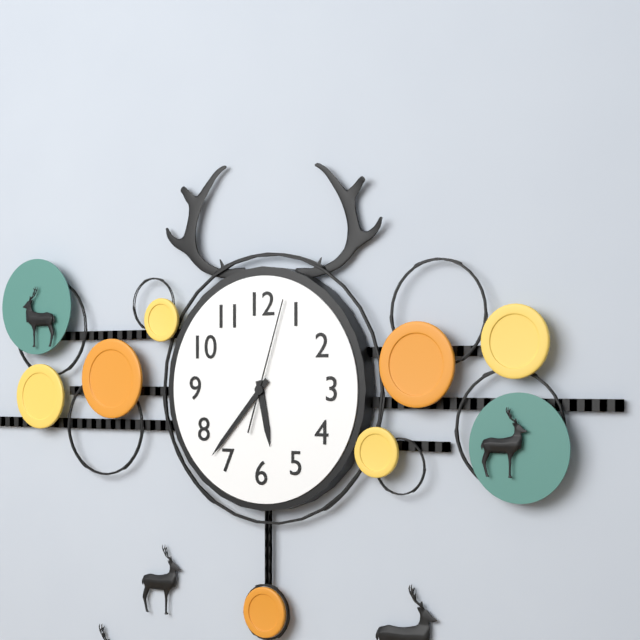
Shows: 5:37:03
